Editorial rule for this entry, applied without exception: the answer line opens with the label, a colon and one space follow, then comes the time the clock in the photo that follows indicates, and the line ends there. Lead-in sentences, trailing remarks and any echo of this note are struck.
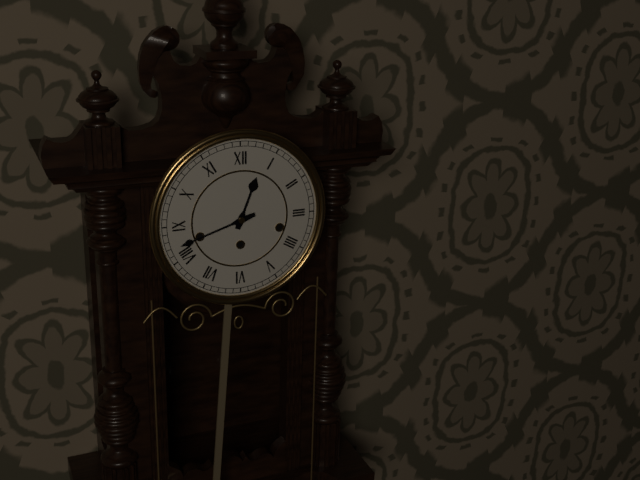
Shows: 12:42
